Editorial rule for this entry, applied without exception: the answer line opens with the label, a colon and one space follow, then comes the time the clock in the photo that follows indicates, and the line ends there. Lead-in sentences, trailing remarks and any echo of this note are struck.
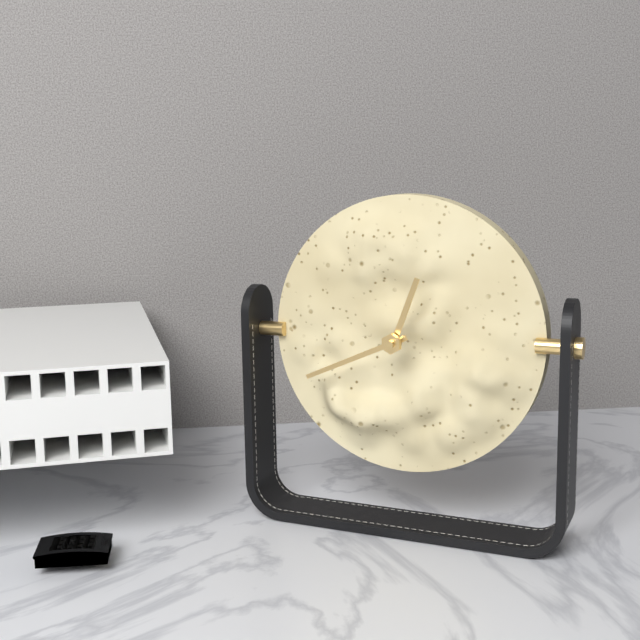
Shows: 12:41
